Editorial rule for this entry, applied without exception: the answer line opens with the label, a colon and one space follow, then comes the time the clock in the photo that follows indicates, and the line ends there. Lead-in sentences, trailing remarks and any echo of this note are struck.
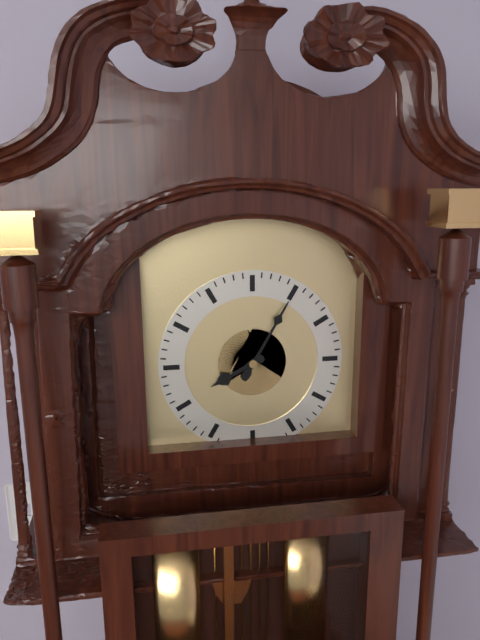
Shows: 8:05
